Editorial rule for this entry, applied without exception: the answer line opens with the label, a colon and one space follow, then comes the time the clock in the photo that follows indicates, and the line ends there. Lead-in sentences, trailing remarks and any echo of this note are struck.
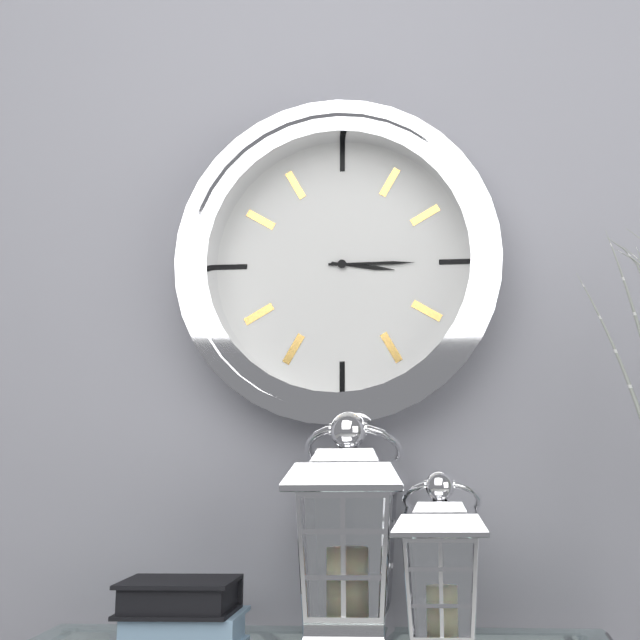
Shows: 3:15
